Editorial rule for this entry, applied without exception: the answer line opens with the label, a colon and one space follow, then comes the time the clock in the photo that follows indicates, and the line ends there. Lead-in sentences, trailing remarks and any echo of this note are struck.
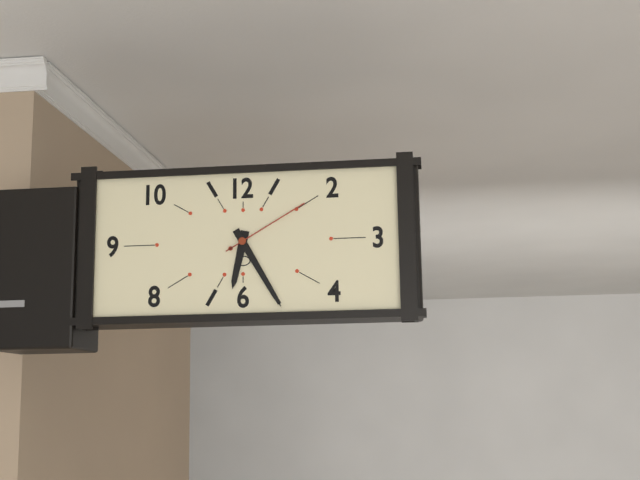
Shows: 6:25:10
